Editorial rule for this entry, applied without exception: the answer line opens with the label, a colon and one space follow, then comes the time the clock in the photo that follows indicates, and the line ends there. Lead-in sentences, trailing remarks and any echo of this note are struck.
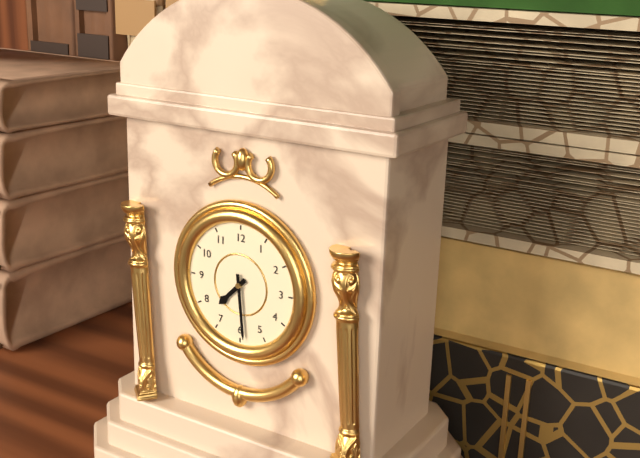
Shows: 7:29
